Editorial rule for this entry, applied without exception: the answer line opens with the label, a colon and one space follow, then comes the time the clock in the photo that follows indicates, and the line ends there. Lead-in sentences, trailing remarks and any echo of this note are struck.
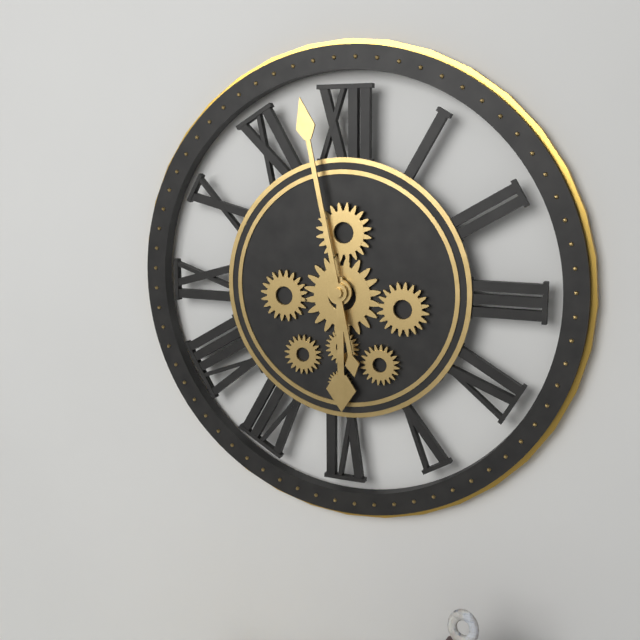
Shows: 5:58
